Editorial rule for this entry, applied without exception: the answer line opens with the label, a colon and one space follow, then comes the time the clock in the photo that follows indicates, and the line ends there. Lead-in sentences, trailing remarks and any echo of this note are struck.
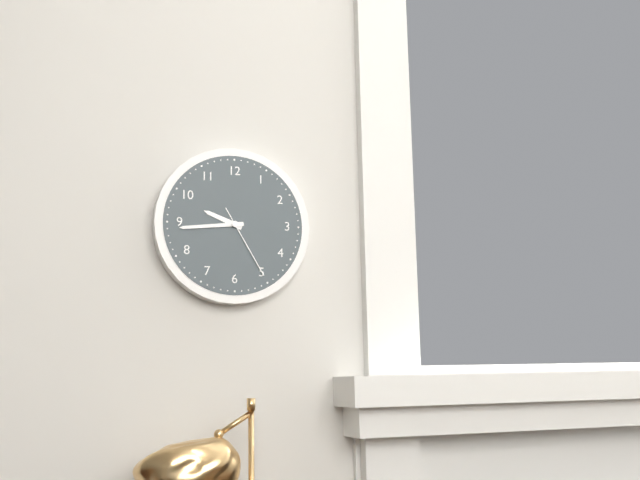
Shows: 9:44:25
